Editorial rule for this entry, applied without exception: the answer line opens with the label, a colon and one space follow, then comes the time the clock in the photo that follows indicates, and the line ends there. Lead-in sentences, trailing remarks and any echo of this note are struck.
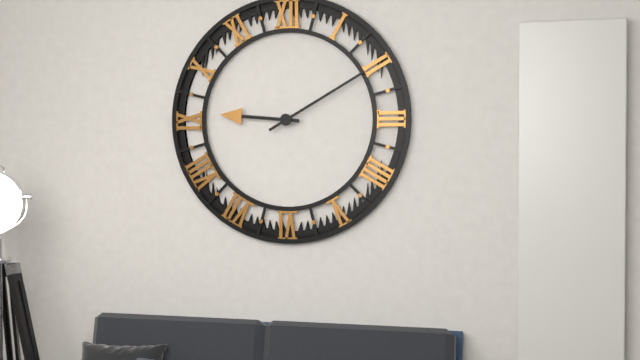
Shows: 9:10
